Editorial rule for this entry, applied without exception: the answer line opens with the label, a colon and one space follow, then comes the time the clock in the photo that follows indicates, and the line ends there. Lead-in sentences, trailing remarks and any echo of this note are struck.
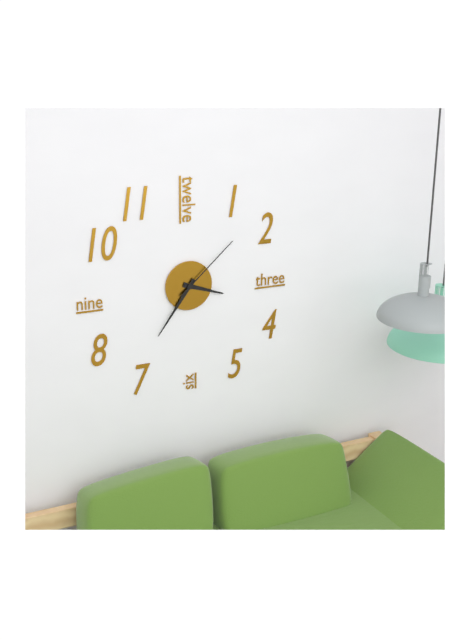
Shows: 3:36:08
